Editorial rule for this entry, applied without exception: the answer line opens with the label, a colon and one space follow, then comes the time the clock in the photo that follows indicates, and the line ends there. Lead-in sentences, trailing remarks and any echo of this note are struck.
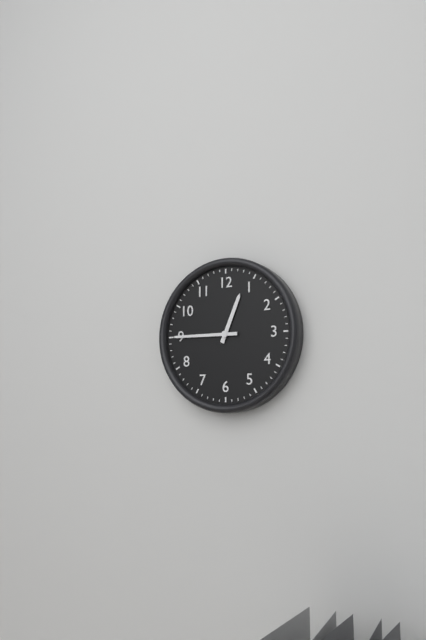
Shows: 12:45
